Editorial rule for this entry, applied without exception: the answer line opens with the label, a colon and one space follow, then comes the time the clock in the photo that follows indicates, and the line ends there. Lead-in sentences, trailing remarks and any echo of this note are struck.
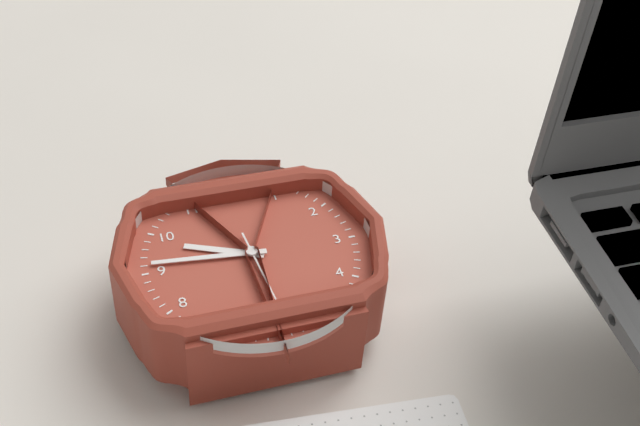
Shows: 9:46
